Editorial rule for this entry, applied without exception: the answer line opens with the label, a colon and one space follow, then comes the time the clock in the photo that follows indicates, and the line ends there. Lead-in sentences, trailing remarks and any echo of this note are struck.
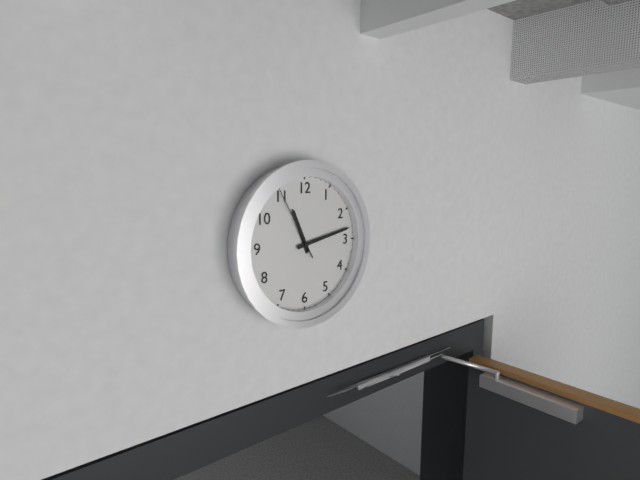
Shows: 11:13:55
